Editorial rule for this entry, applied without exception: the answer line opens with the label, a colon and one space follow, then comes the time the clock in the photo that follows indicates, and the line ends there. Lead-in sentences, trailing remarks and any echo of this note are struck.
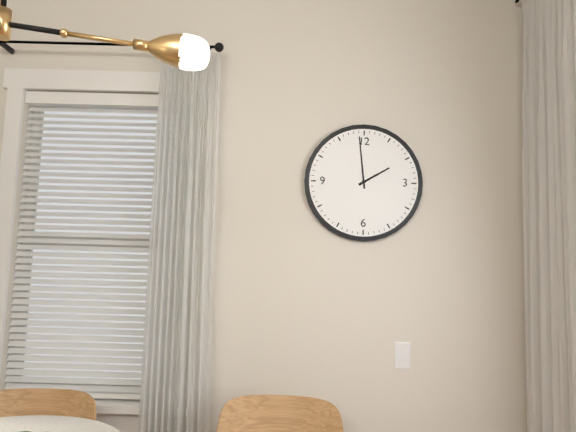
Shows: 1:59
